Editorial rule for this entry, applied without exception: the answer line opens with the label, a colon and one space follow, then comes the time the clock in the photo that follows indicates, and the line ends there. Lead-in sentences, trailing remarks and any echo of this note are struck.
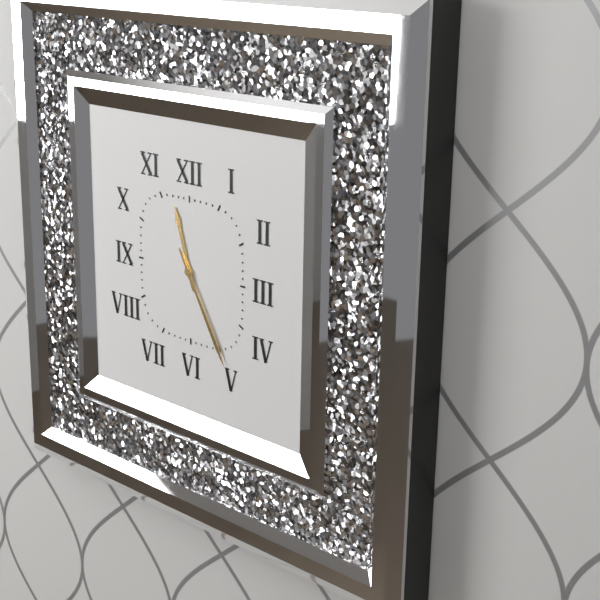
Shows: 11:25
